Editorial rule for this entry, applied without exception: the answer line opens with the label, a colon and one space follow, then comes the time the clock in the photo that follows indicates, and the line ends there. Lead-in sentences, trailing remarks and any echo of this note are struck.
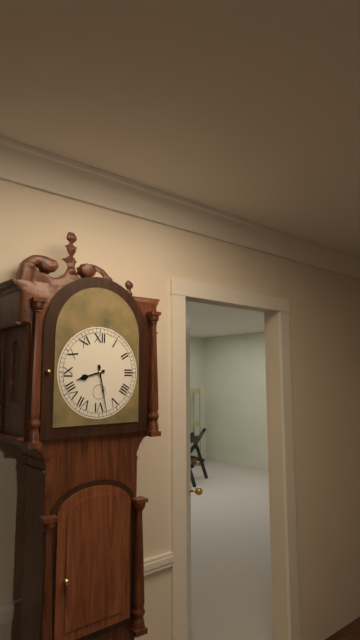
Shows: 8:28
